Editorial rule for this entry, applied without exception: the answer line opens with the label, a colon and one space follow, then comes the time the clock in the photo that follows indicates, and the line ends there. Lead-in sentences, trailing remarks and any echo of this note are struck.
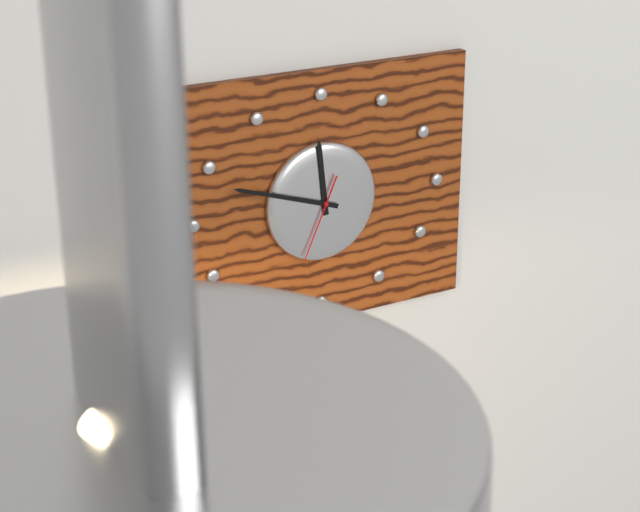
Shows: 11:48:34
